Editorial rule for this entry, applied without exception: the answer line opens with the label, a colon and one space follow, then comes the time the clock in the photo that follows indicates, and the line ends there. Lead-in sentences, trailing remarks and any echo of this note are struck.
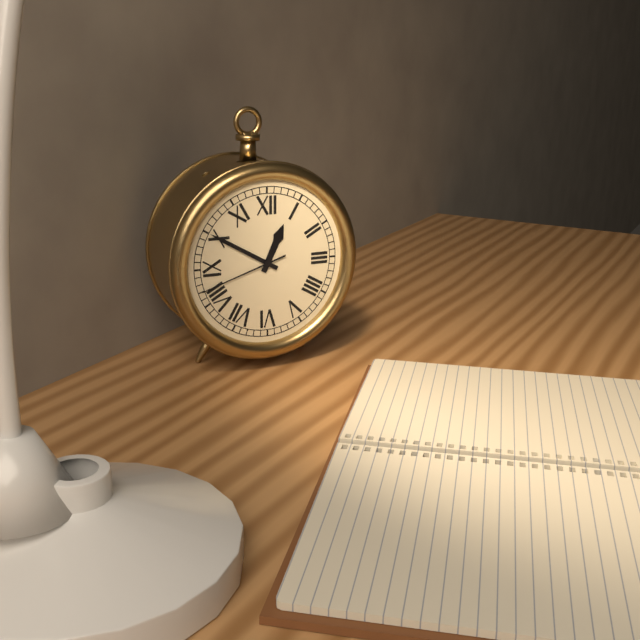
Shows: 12:50:42
